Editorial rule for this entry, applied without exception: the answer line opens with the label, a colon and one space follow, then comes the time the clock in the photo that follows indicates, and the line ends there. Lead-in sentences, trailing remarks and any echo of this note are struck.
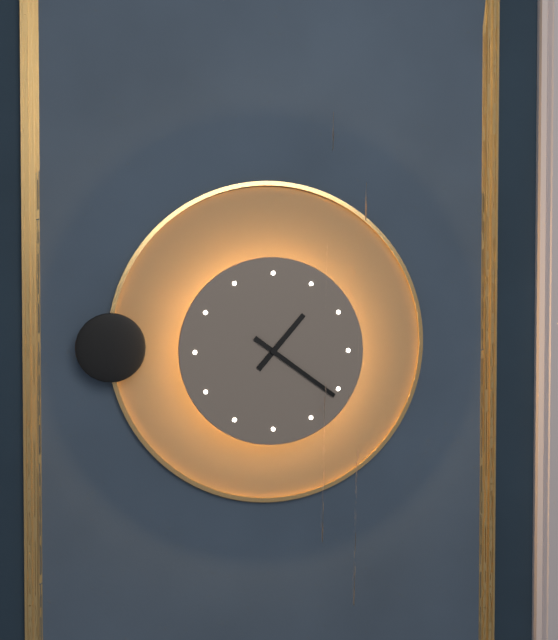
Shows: 1:21
